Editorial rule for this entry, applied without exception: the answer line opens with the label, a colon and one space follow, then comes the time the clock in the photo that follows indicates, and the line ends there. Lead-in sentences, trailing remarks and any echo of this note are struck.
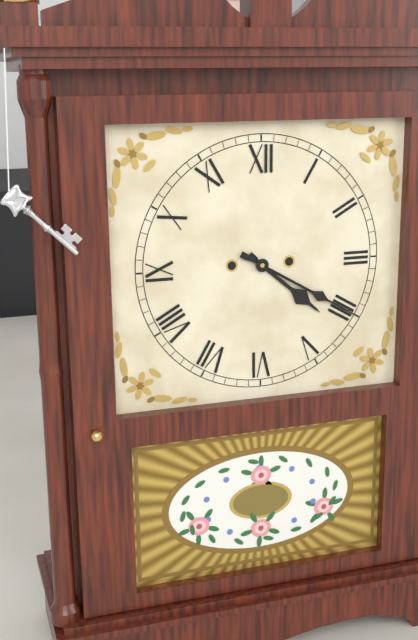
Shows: 4:20
